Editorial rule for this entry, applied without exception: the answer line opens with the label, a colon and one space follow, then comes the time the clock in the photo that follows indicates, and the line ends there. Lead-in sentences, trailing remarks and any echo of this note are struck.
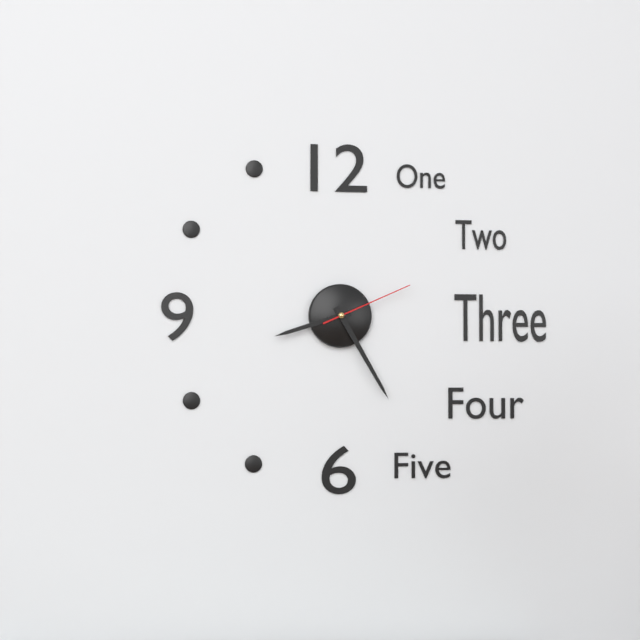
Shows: 8:25:11
